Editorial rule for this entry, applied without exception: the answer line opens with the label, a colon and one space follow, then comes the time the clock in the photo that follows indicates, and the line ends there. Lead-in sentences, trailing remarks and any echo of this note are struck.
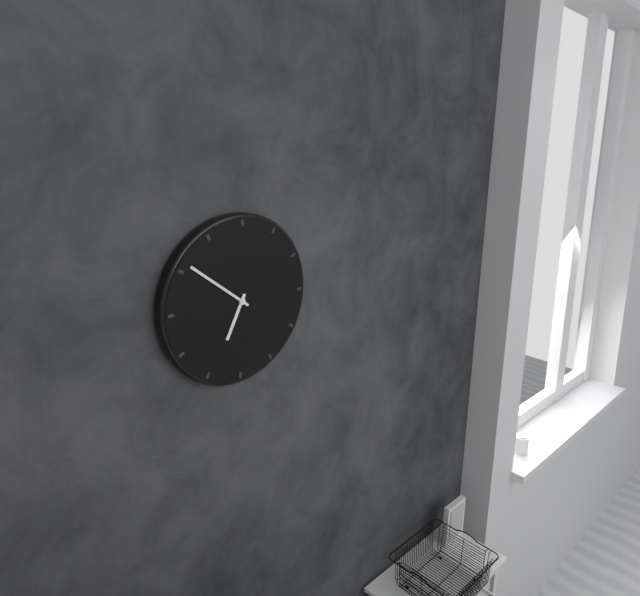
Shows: 6:51
